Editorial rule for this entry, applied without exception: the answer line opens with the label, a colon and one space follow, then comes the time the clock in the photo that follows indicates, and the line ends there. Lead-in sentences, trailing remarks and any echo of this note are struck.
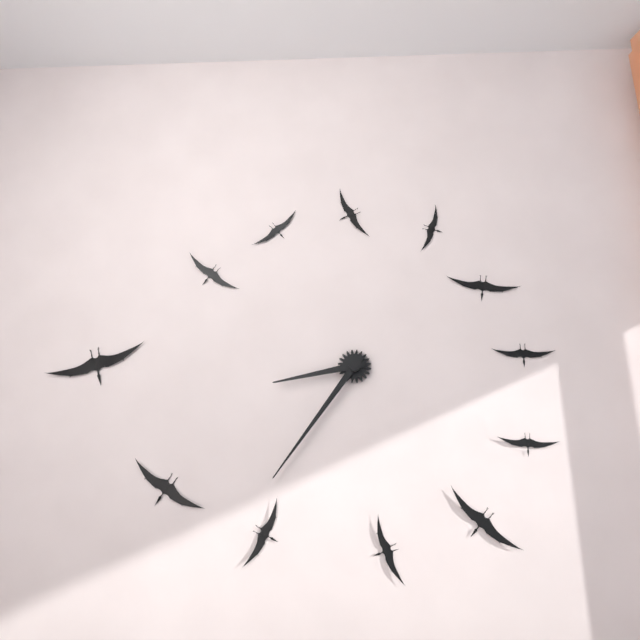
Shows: 8:36
